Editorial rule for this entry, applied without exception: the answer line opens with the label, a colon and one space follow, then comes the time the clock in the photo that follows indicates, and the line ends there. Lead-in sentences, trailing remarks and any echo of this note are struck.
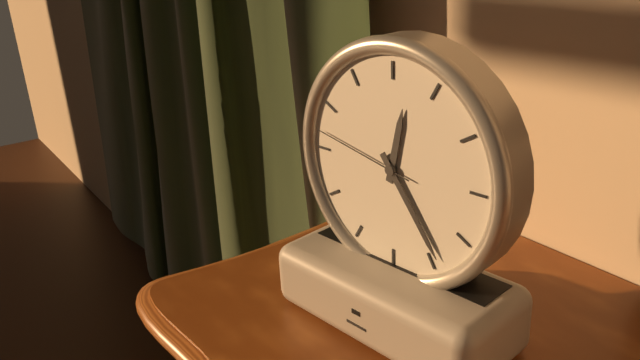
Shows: 12:24:47
